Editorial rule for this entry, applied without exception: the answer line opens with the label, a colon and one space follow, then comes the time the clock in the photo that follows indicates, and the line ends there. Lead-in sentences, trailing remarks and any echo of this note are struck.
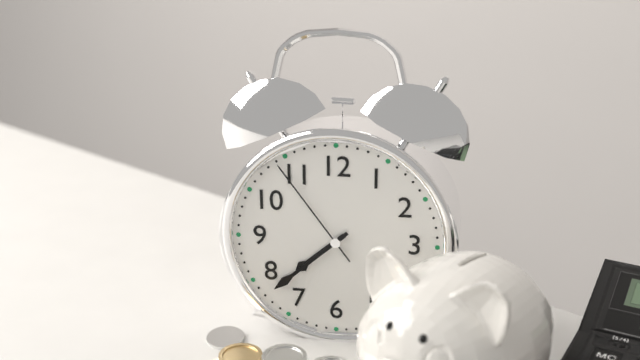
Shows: 7:38:54
